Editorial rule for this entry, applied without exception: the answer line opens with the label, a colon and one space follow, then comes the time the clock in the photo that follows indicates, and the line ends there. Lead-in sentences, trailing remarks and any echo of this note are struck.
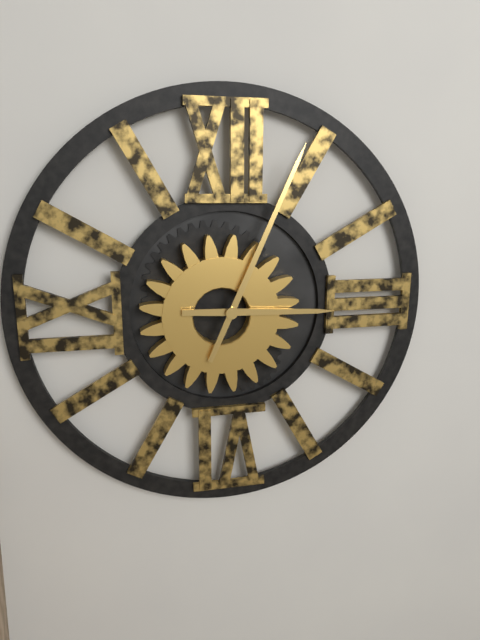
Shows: 3:04
